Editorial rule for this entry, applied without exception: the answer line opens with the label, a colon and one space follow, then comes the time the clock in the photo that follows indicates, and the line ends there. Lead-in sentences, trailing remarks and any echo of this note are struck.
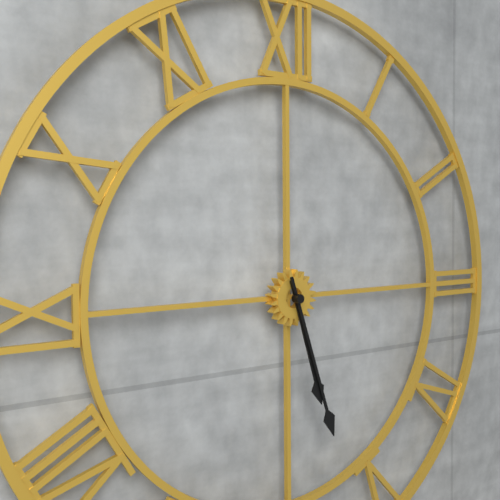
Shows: 5:27
